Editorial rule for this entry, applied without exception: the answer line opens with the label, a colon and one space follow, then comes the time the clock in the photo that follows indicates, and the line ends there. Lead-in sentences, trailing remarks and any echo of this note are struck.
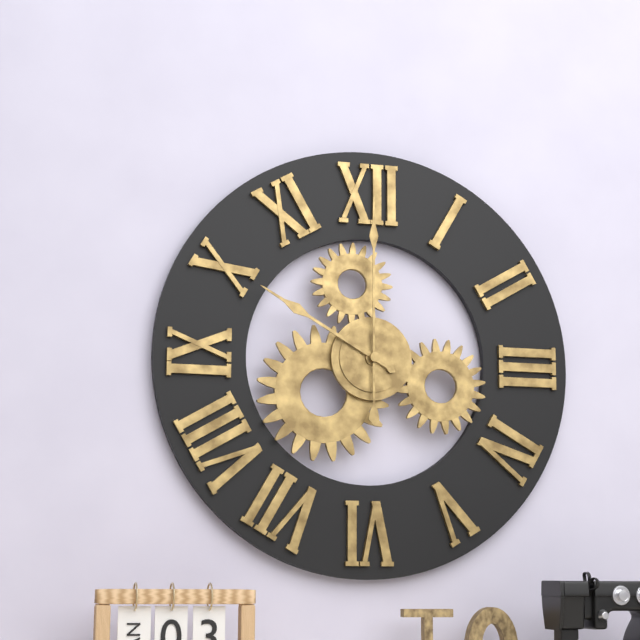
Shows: 10:00
